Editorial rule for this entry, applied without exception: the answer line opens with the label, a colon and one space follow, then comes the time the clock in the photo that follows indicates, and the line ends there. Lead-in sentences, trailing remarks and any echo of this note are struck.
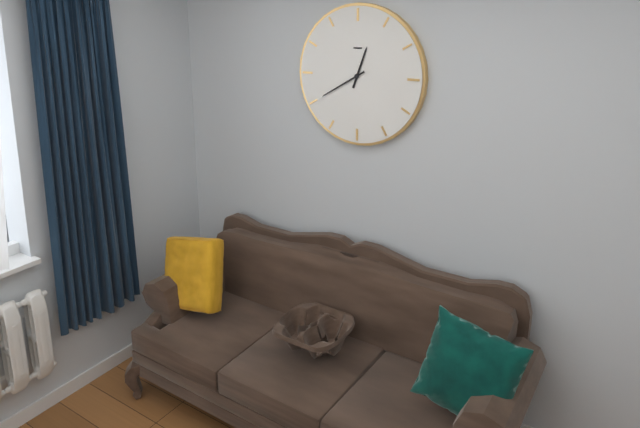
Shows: 12:40
